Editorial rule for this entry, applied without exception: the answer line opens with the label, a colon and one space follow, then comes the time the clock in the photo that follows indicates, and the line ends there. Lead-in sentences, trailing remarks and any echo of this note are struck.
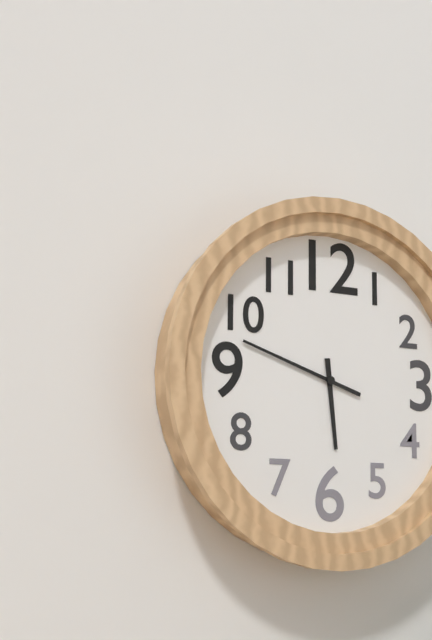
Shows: 5:48
